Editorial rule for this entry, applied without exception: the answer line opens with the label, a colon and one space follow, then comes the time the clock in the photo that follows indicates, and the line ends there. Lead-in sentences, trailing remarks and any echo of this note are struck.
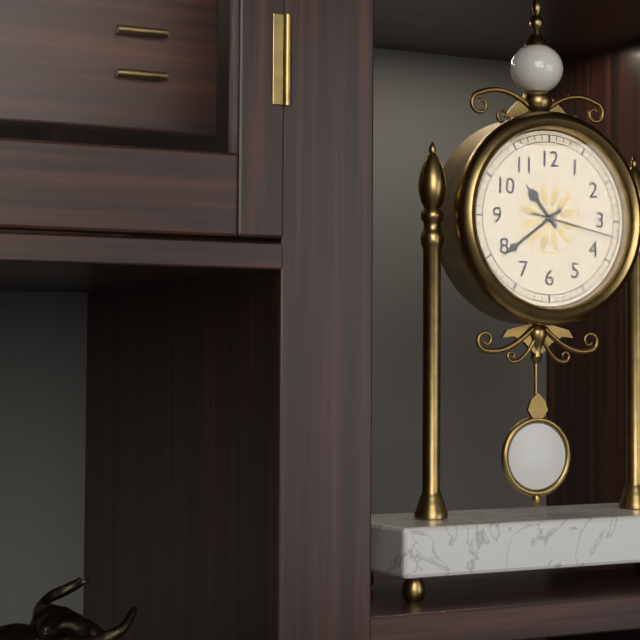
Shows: 10:39:17
